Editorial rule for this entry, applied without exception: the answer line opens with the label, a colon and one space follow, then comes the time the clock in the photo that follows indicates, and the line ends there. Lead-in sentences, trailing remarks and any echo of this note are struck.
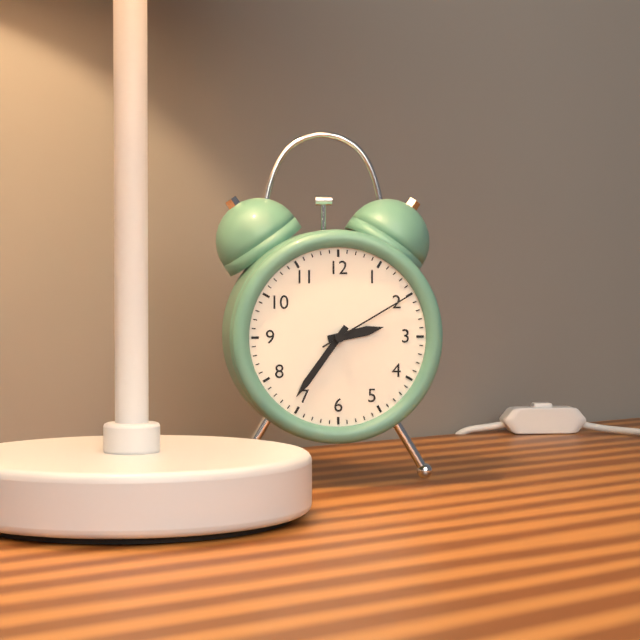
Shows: 2:36:10
